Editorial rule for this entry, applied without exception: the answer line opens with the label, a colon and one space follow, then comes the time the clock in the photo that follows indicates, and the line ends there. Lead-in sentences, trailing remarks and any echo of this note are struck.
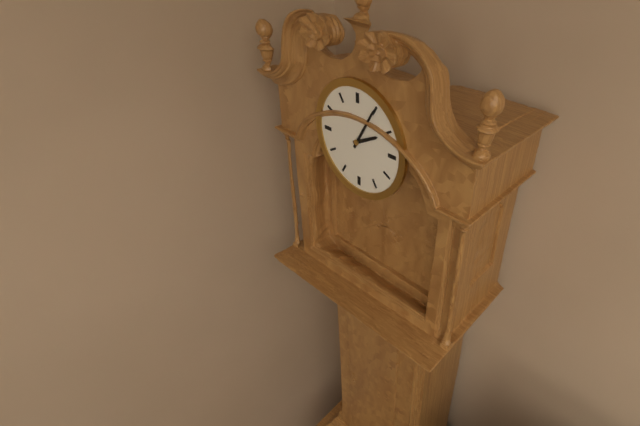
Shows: 2:05
